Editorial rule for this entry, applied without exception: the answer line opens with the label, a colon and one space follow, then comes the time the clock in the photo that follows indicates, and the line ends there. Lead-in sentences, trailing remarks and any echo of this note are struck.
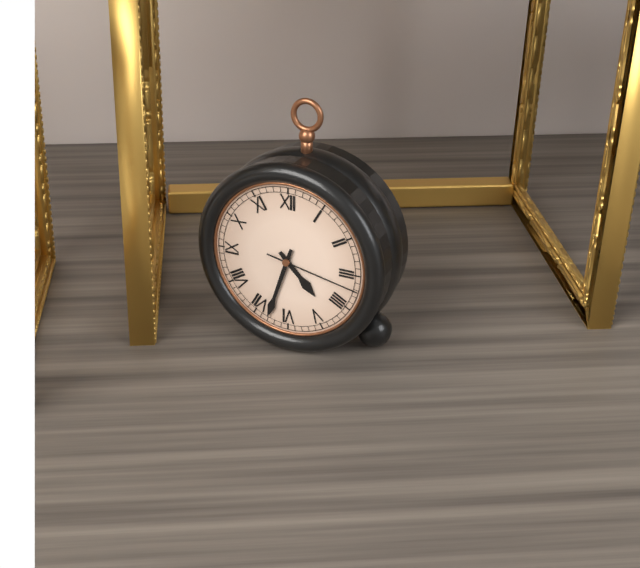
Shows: 4:33:17
